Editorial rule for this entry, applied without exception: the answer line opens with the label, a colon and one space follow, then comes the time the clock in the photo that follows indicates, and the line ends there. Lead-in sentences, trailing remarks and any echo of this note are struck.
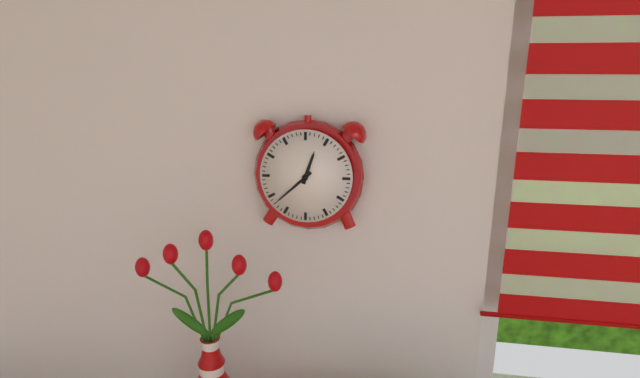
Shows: 12:38
